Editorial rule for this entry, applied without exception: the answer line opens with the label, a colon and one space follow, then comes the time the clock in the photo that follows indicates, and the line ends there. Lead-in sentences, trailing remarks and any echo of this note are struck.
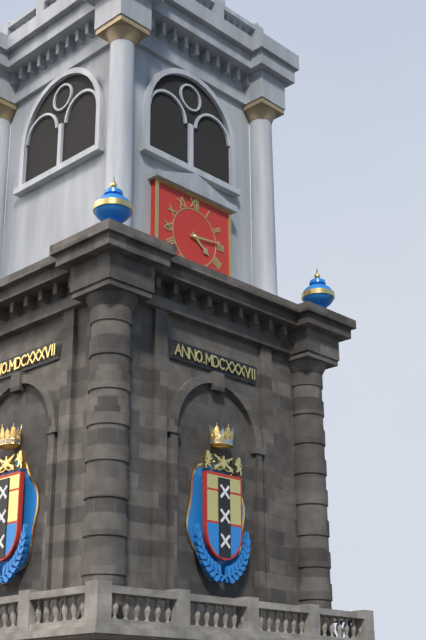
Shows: 4:14
